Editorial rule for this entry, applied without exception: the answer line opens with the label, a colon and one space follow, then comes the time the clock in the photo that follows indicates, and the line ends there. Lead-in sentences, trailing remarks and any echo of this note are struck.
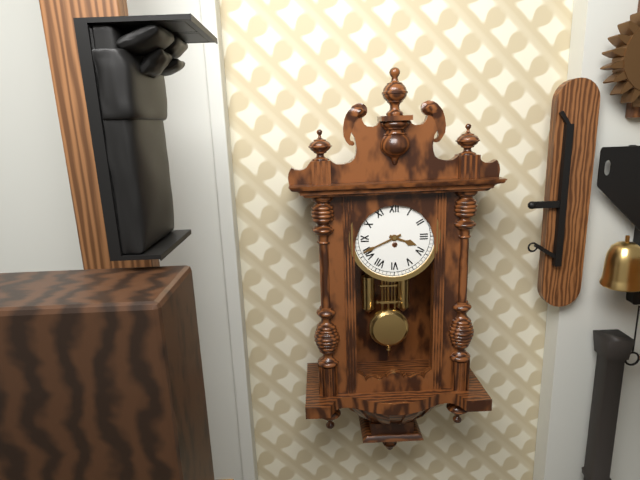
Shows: 3:41
